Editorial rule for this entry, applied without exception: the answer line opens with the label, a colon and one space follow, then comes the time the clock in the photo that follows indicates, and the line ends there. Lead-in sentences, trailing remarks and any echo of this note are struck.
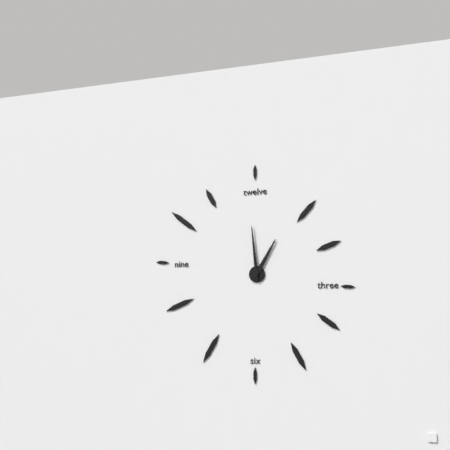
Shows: 12:59
